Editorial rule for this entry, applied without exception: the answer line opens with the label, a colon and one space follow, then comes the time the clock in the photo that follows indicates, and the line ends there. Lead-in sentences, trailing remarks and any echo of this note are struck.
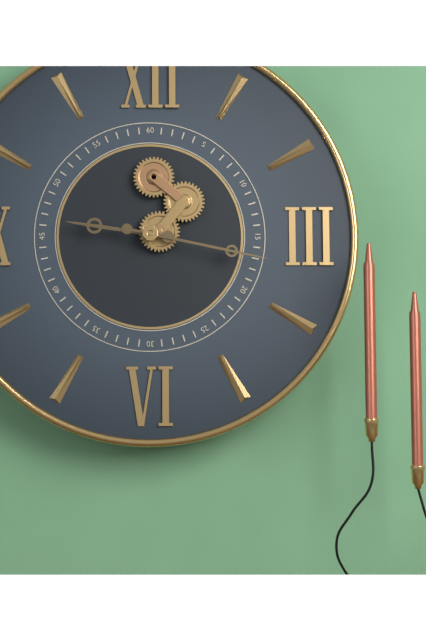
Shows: 9:17
